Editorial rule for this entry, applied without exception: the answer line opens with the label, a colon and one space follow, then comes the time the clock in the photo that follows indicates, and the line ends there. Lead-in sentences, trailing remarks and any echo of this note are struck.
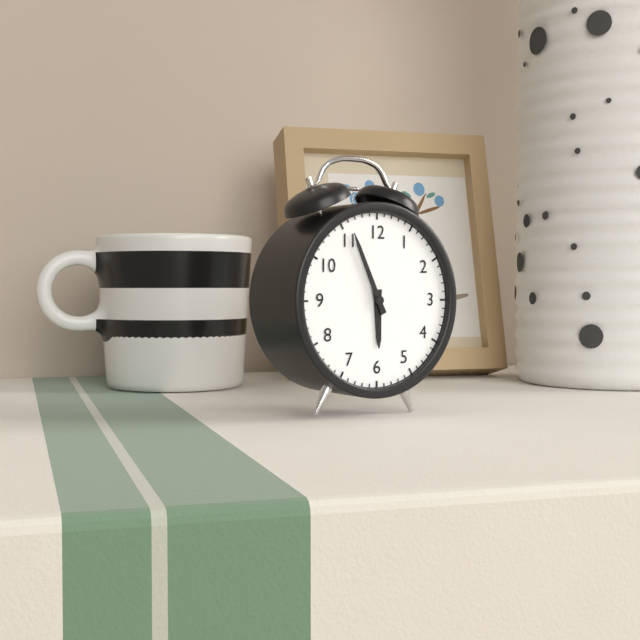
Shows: 5:56
